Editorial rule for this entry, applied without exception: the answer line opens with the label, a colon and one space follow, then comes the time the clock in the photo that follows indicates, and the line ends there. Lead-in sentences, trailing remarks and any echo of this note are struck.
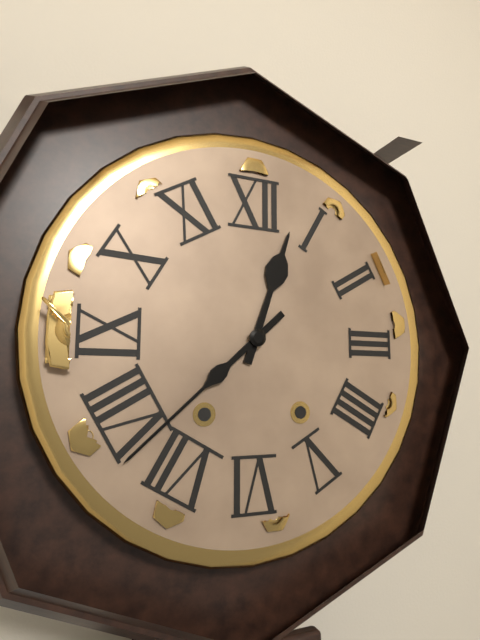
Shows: 12:38
